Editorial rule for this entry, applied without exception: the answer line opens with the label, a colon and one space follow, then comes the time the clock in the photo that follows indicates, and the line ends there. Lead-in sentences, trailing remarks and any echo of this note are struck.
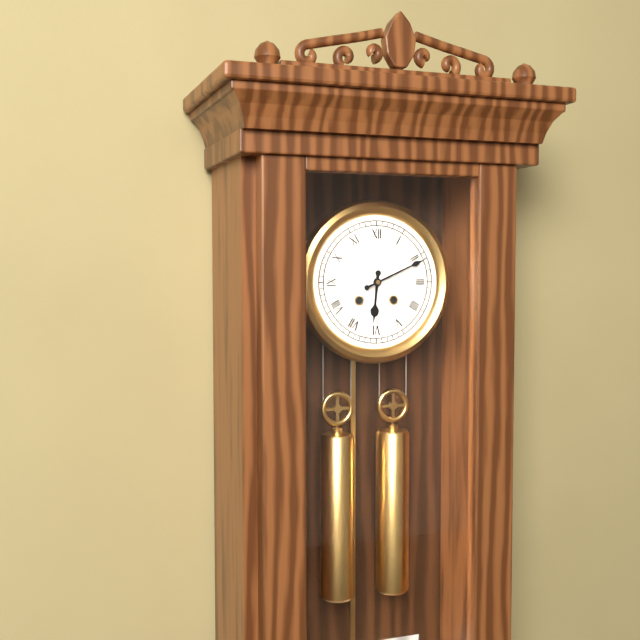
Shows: 6:11
